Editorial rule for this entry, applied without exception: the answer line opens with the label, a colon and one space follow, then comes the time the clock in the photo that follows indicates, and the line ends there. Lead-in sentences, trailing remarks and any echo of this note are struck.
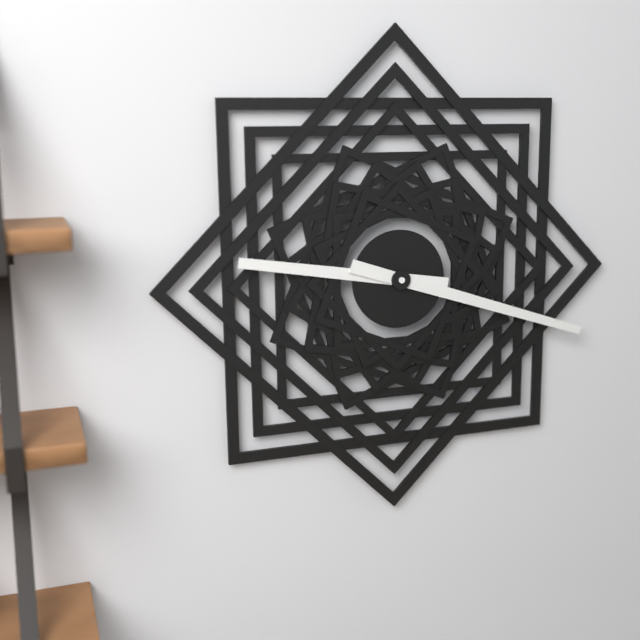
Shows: 9:18
